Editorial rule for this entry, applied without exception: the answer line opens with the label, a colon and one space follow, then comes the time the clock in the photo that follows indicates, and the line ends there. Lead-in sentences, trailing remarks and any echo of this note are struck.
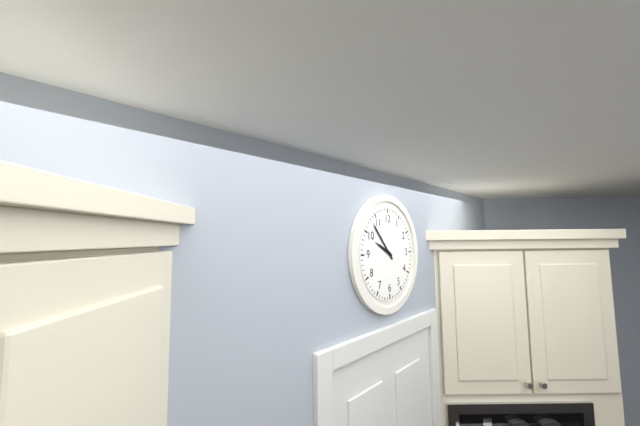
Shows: 9:53
